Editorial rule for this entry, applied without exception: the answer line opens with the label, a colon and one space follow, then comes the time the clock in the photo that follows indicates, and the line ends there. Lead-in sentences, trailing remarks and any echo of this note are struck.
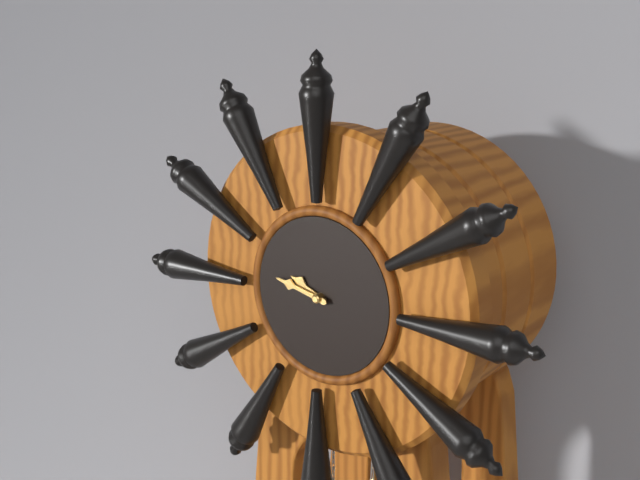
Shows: 9:47
